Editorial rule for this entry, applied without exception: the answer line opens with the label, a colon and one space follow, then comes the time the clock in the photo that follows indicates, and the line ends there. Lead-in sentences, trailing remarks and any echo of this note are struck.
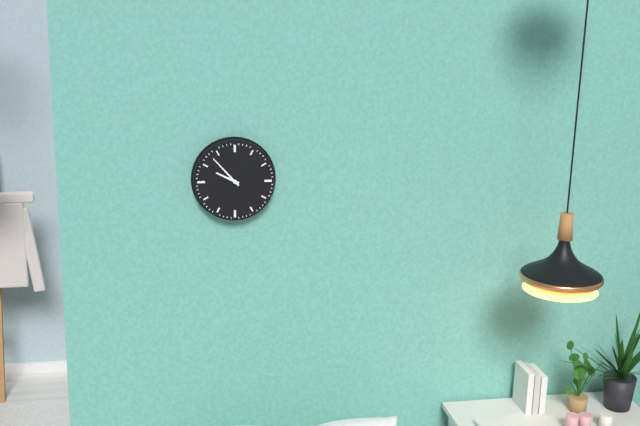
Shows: 9:53
